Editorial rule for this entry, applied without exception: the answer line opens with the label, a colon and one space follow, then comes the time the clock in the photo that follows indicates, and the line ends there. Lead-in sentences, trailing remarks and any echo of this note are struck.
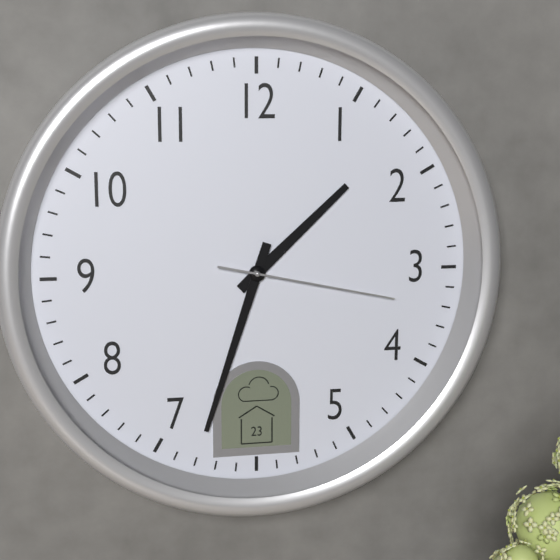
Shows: 1:33:17
